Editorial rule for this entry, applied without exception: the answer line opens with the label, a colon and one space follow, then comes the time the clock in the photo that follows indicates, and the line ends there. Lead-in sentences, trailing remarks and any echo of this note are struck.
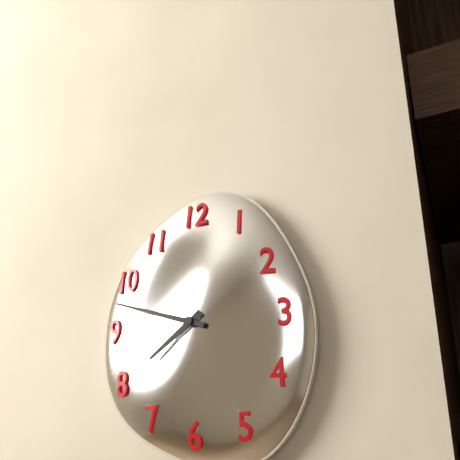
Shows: 7:48
